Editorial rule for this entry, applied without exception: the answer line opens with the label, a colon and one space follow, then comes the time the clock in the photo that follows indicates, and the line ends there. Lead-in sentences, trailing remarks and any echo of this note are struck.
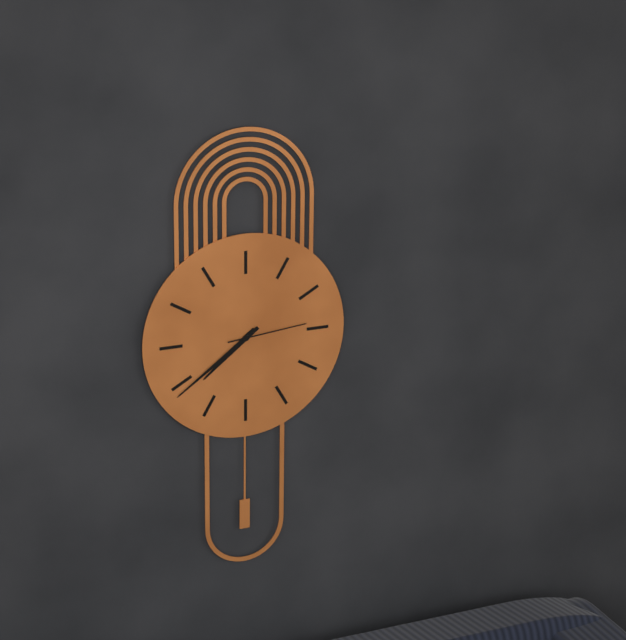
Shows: 7:39:14
